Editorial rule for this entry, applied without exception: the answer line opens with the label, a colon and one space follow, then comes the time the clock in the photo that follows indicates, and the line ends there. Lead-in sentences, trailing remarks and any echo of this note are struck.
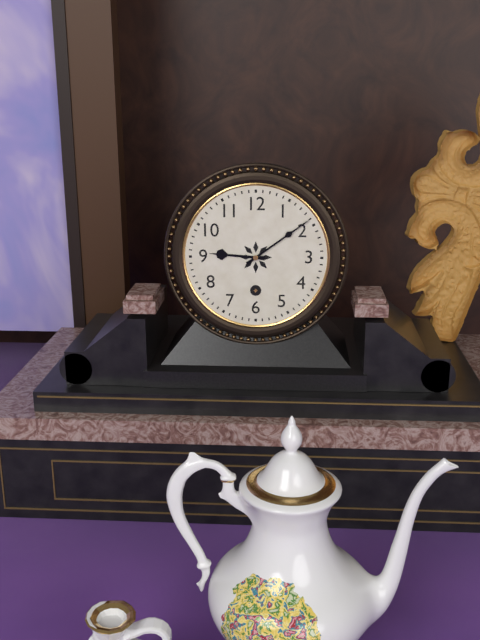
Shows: 9:09
